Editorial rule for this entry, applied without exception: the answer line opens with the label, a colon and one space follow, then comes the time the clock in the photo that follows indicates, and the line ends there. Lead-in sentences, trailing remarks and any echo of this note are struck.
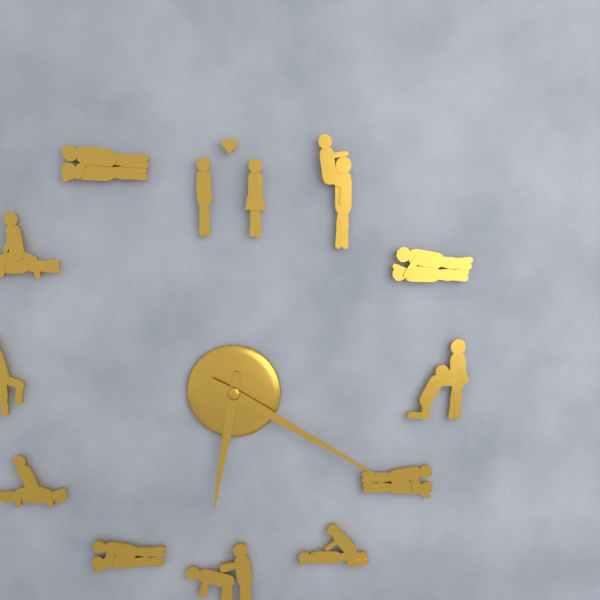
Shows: 6:20
